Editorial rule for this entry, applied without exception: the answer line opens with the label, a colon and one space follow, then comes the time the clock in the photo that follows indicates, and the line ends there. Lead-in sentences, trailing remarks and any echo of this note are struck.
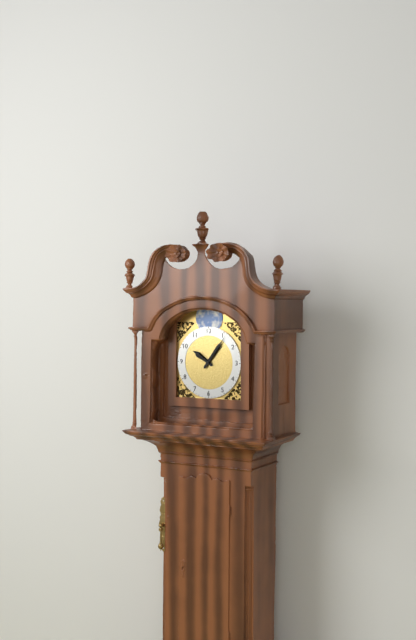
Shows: 10:06
